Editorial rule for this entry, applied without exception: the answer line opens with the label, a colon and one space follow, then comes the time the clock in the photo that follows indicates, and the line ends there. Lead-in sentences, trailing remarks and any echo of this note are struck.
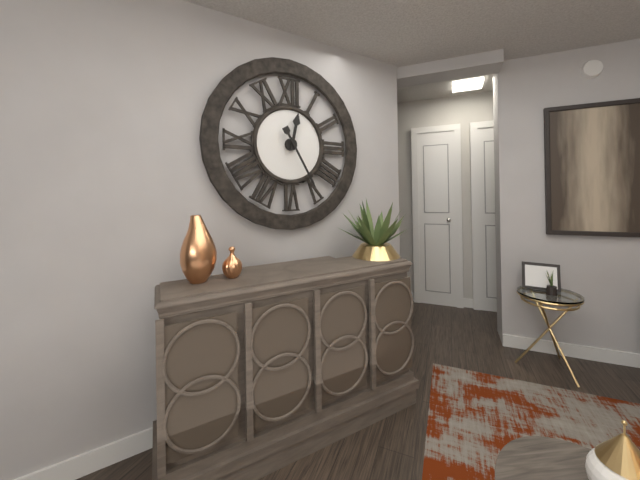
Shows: 12:25
